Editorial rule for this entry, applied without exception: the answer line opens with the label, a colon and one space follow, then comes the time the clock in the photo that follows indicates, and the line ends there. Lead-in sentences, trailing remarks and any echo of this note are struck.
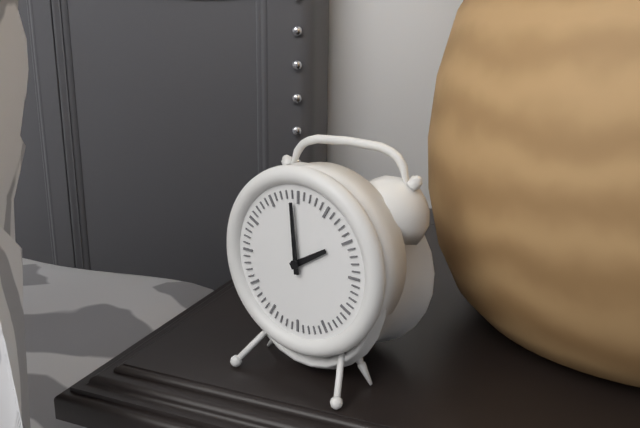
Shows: 1:59
